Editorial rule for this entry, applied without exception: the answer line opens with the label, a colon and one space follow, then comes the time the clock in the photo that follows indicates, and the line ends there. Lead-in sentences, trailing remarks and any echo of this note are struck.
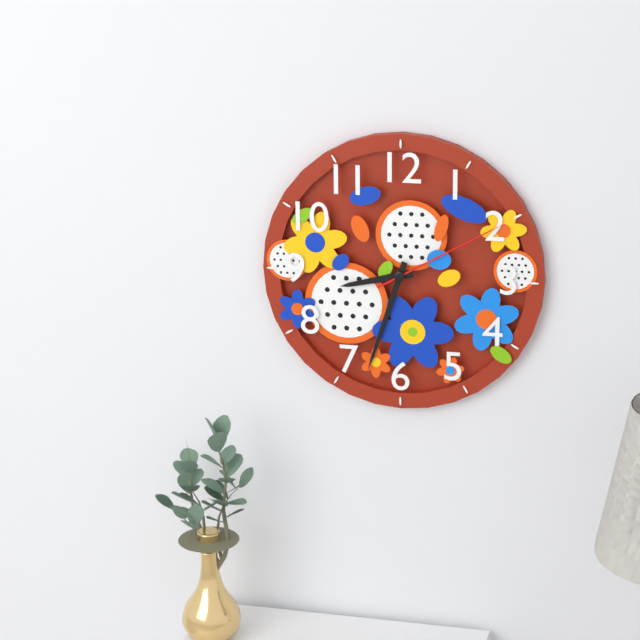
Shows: 8:33:10
